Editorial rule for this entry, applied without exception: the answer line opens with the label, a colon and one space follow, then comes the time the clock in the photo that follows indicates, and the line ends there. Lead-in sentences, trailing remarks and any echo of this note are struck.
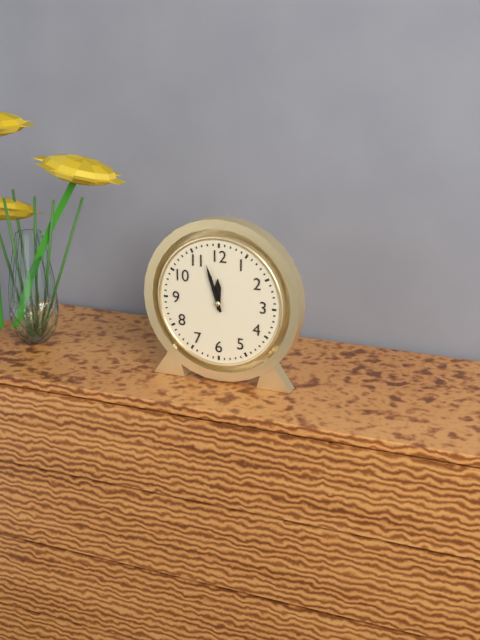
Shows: 11:57
